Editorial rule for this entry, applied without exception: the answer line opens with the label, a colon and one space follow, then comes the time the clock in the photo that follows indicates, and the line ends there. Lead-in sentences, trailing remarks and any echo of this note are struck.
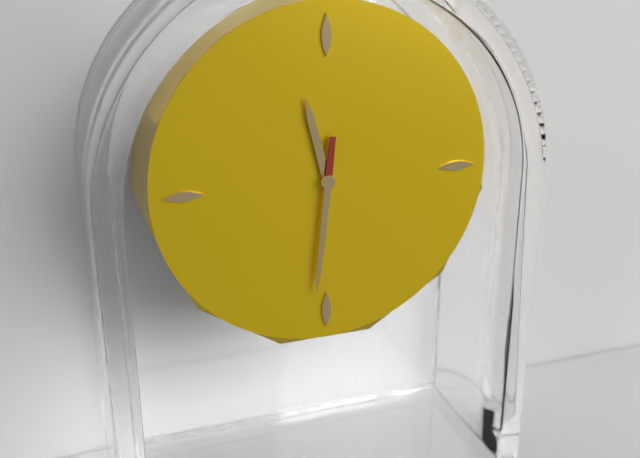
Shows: 11:31
